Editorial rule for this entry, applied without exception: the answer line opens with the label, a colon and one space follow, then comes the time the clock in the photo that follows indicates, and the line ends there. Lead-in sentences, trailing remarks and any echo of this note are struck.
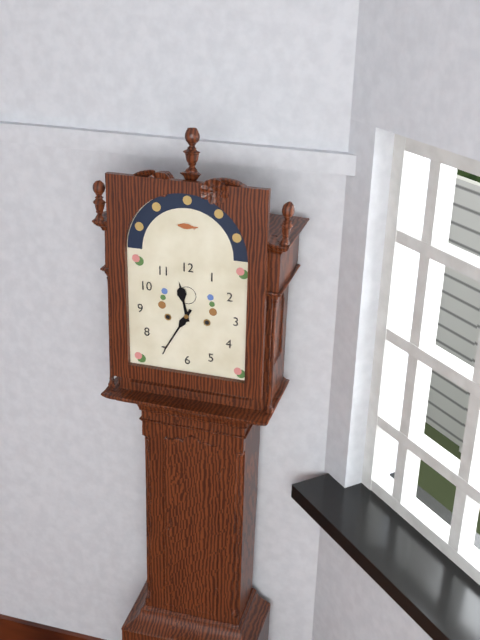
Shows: 11:35
